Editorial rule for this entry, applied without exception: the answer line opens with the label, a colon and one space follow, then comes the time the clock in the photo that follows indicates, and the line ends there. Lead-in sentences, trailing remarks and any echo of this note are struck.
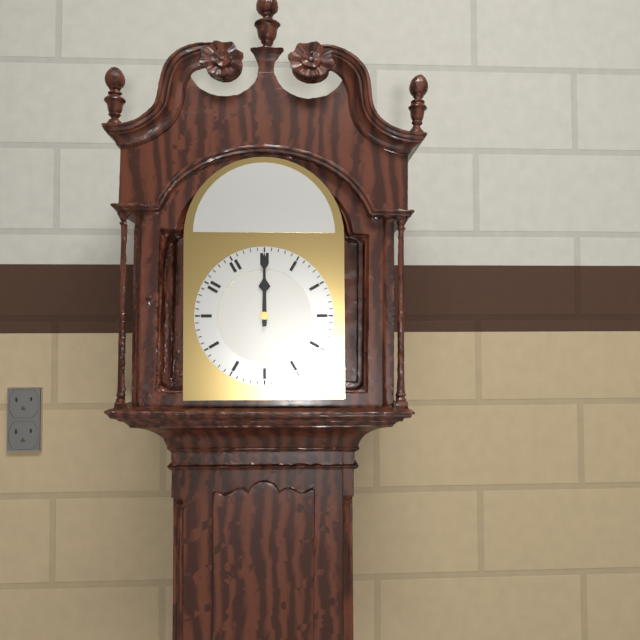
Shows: 12:00
